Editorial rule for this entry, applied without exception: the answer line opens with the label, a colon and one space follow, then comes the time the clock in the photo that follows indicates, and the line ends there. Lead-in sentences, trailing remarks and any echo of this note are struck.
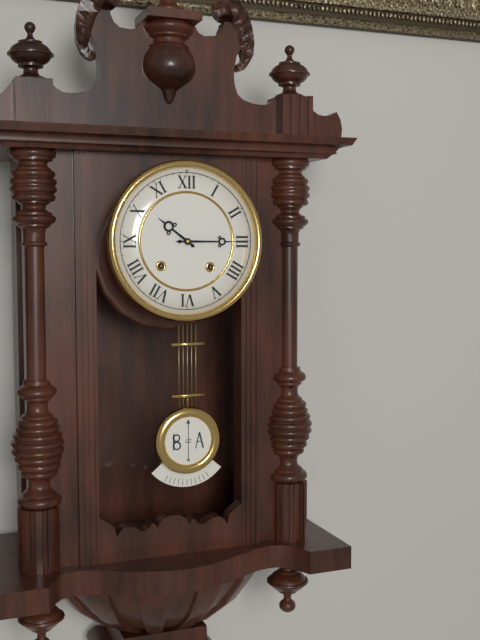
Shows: 10:15
